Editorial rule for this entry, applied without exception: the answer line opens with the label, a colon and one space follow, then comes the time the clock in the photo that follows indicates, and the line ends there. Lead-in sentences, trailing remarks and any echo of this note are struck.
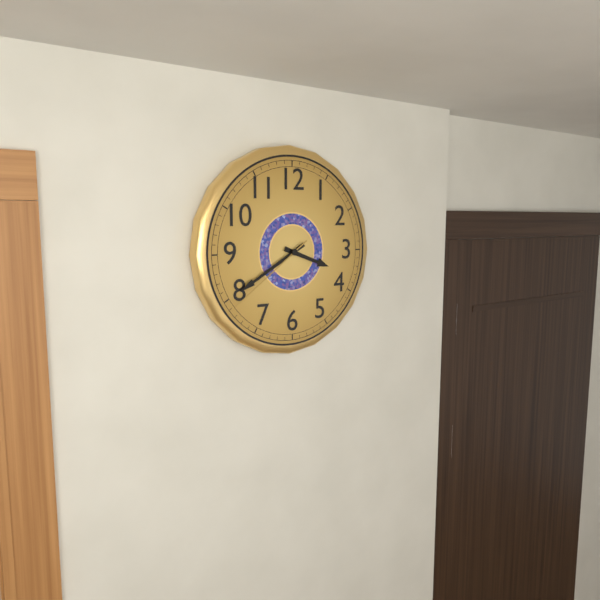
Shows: 3:40:39
